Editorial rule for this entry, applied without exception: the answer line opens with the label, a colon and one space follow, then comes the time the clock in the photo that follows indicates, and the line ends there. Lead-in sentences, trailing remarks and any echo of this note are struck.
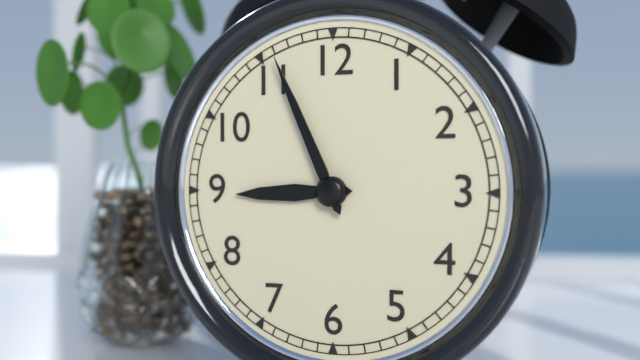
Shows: 8:56
